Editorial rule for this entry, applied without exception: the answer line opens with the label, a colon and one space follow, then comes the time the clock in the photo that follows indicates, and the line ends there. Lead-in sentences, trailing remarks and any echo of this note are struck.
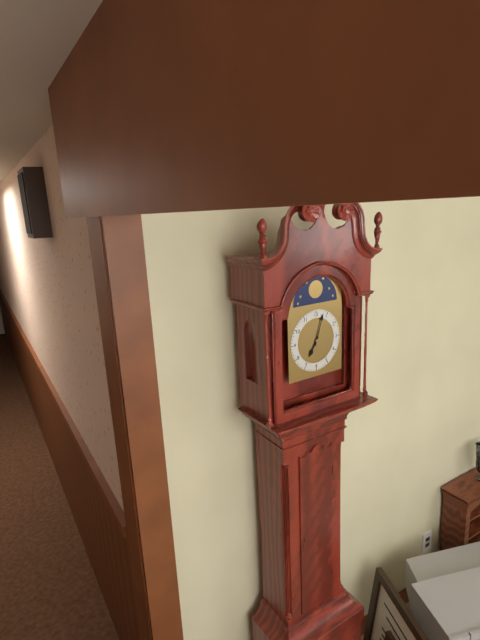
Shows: 7:03
